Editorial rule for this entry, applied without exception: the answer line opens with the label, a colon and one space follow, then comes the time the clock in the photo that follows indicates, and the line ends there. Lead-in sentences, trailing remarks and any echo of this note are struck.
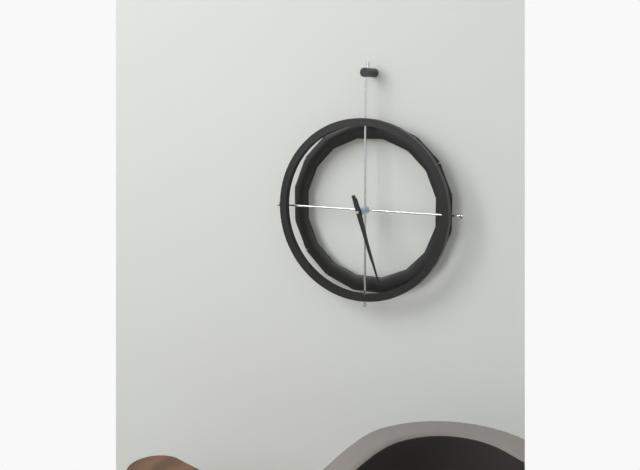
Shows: 5:27
